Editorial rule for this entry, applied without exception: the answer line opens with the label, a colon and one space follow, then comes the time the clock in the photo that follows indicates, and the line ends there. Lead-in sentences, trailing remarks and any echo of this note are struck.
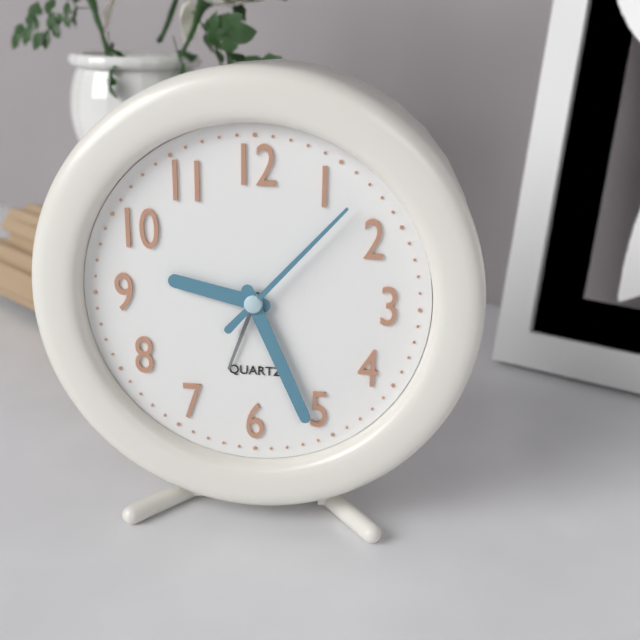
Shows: 9:26:07
